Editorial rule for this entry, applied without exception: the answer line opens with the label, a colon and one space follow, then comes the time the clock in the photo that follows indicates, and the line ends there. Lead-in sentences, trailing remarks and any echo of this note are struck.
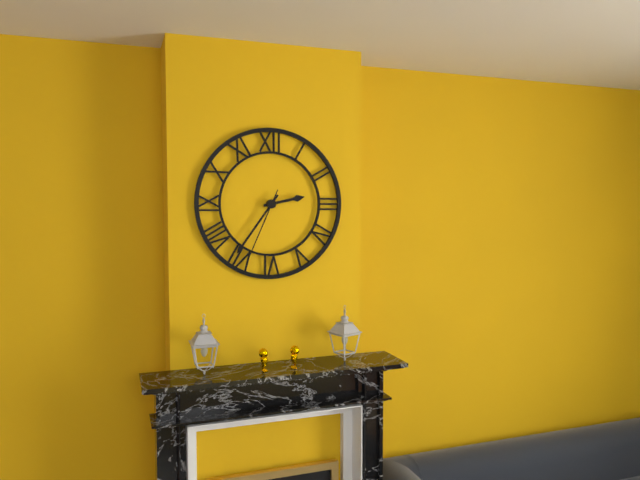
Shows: 2:36:34
